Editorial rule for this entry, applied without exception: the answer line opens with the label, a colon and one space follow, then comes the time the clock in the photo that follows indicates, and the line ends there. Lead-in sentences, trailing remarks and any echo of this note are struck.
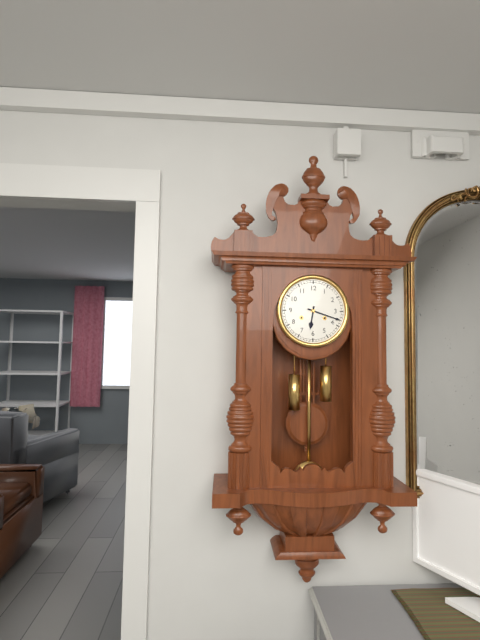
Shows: 6:18
